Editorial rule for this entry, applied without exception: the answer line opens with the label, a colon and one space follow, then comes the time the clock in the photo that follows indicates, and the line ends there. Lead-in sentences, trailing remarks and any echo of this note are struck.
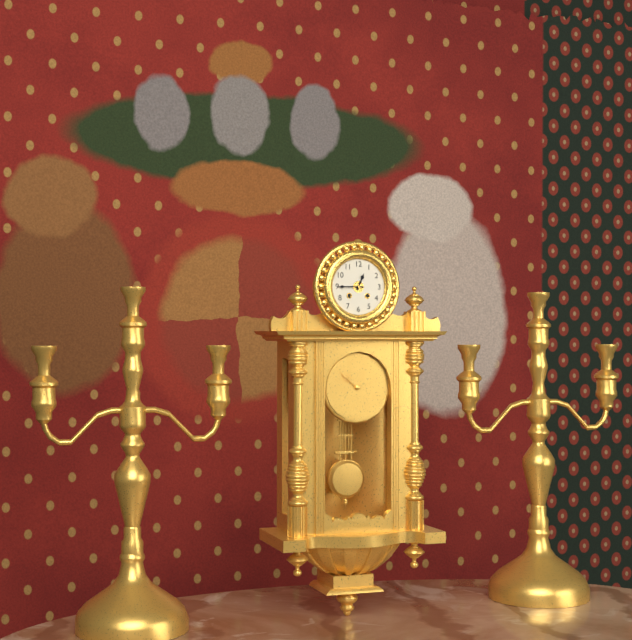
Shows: 12:45
